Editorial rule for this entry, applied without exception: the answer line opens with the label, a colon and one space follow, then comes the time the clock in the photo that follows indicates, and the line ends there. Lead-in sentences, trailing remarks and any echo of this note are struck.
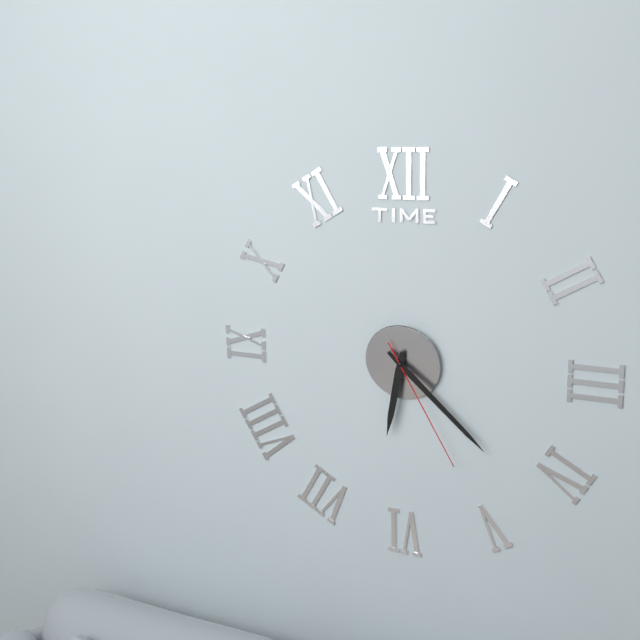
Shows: 6:22:25
